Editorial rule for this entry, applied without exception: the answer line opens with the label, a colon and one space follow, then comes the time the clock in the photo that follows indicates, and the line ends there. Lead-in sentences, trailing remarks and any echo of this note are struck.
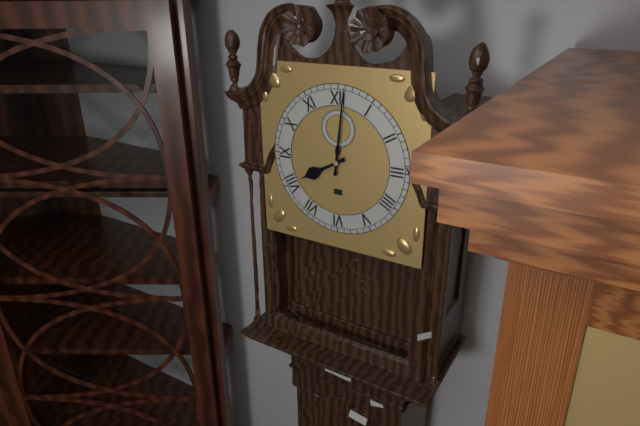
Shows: 8:01
